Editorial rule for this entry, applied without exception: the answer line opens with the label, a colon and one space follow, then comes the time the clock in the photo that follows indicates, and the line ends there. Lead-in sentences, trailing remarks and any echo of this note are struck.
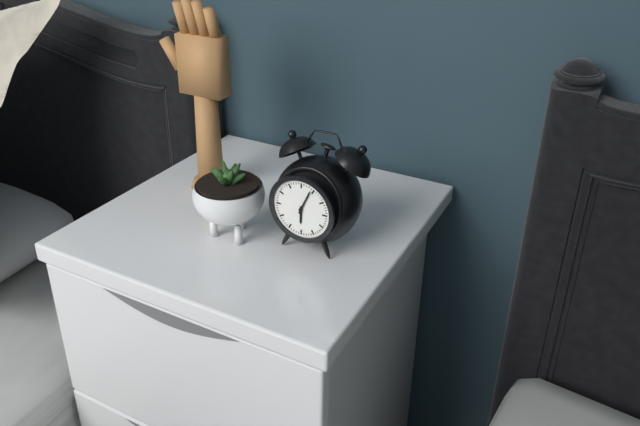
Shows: 6:04
